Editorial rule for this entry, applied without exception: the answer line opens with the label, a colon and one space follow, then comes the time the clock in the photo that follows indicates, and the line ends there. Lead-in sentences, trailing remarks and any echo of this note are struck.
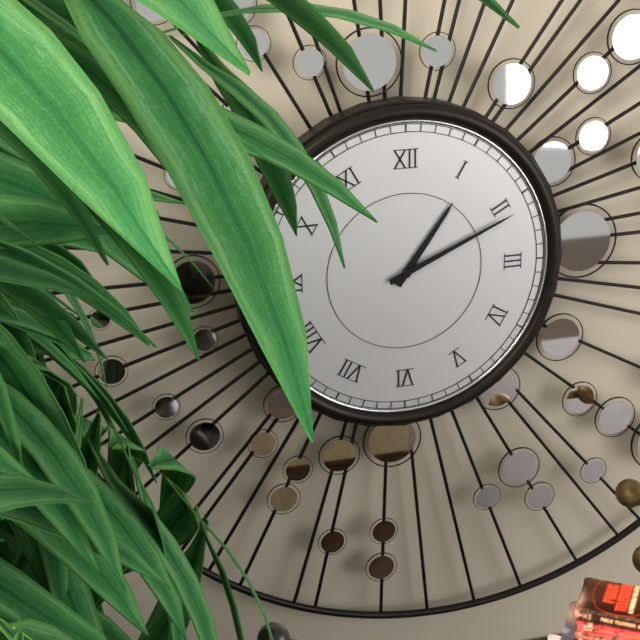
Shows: 1:11
